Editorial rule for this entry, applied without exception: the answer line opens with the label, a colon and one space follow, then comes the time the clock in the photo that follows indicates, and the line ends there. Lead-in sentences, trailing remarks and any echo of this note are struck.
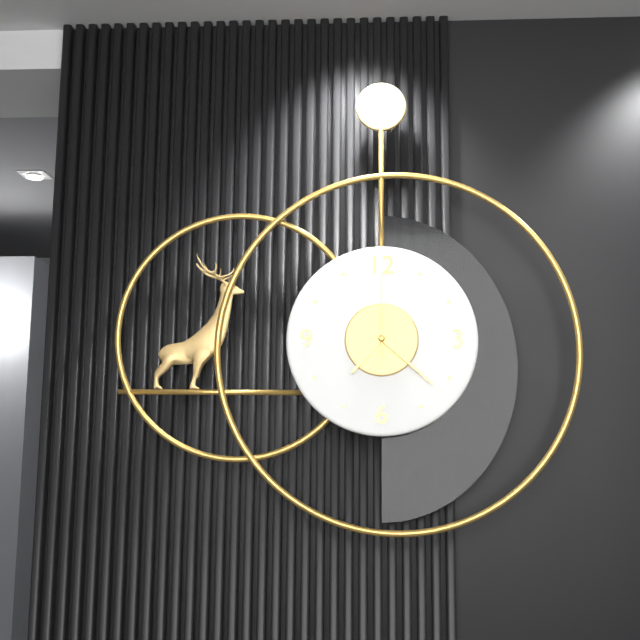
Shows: 7:22:00
